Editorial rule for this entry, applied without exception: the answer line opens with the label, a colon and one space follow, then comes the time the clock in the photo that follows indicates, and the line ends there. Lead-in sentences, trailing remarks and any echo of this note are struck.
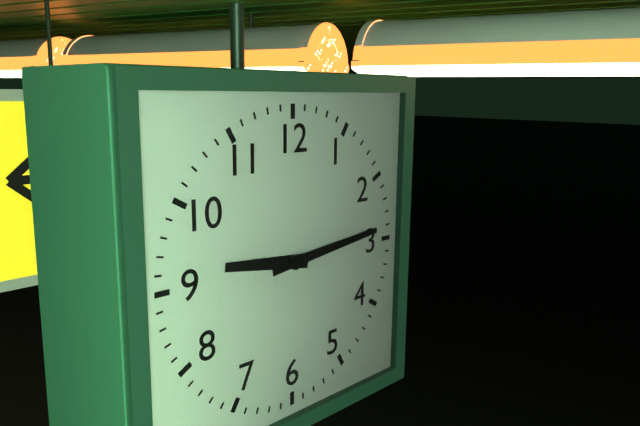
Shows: 9:14
